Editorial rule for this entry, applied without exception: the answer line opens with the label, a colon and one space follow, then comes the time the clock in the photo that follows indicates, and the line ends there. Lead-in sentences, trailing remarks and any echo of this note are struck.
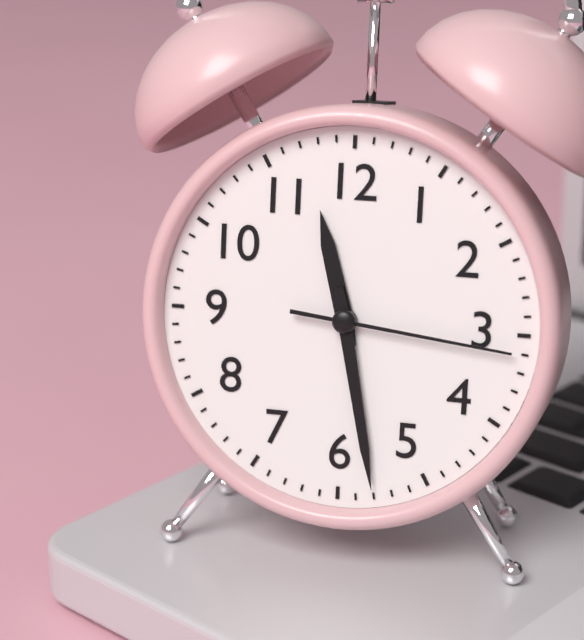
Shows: 11:28:16
